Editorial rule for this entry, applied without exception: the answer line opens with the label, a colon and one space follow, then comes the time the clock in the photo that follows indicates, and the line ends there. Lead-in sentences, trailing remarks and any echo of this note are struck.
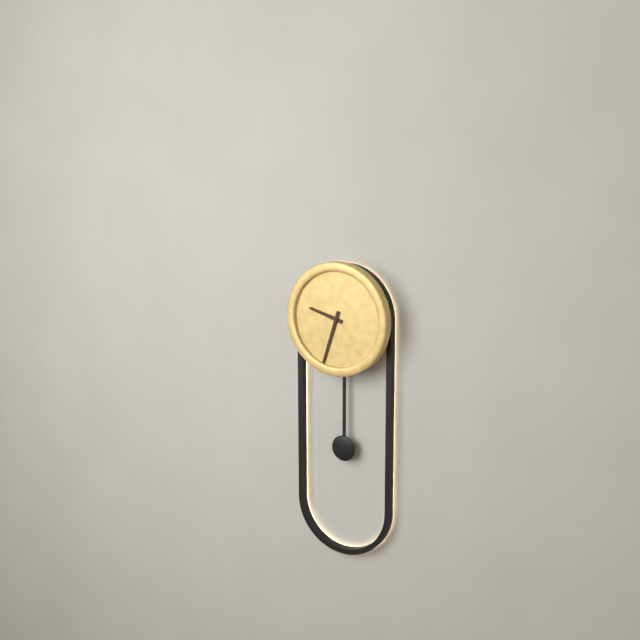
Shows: 9:33
